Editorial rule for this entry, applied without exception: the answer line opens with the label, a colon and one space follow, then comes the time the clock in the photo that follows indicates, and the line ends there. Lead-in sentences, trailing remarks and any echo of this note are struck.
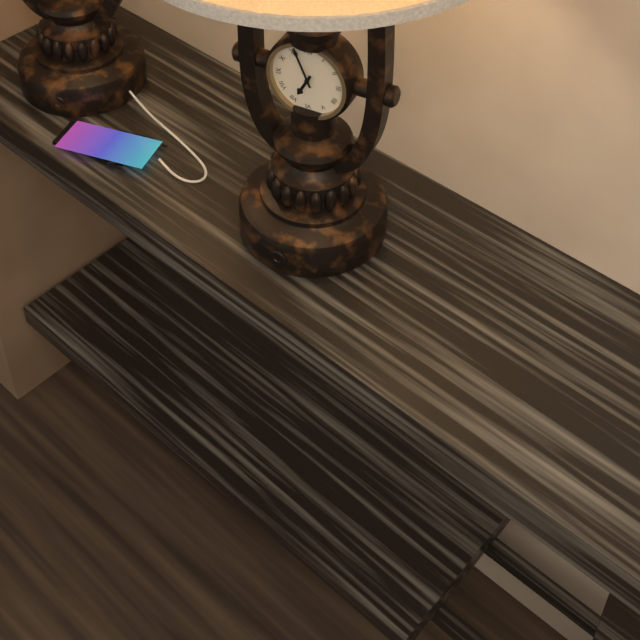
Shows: 6:56
